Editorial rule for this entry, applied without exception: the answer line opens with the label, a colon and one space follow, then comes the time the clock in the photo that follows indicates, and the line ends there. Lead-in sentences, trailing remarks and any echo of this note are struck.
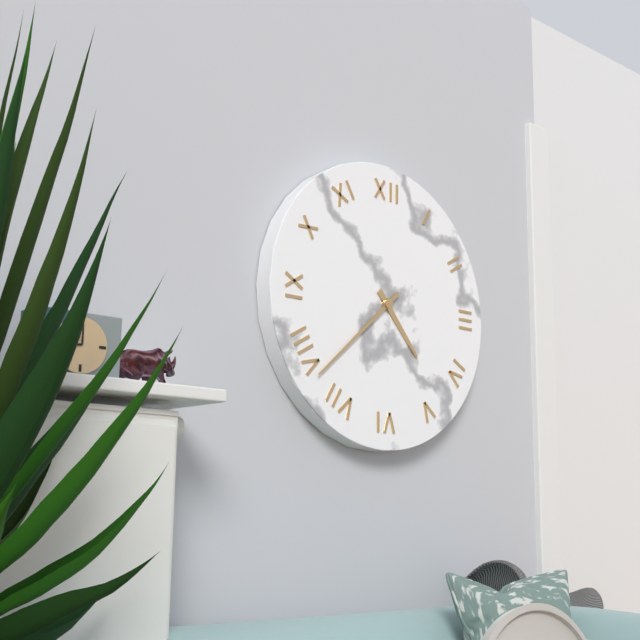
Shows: 4:38
